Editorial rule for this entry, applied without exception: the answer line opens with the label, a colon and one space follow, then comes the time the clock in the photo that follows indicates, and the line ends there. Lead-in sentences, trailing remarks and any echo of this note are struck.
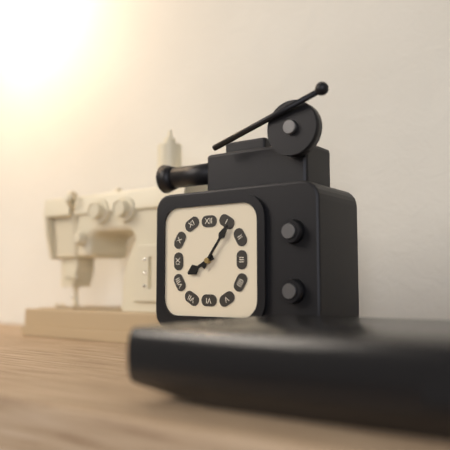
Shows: 8:06
